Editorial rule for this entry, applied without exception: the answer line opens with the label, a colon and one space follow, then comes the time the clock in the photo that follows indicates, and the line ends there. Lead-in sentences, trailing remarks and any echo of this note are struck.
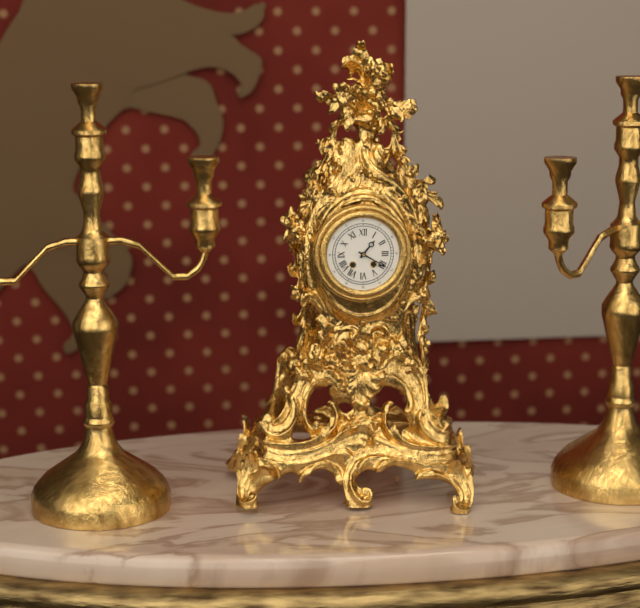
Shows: 1:20
